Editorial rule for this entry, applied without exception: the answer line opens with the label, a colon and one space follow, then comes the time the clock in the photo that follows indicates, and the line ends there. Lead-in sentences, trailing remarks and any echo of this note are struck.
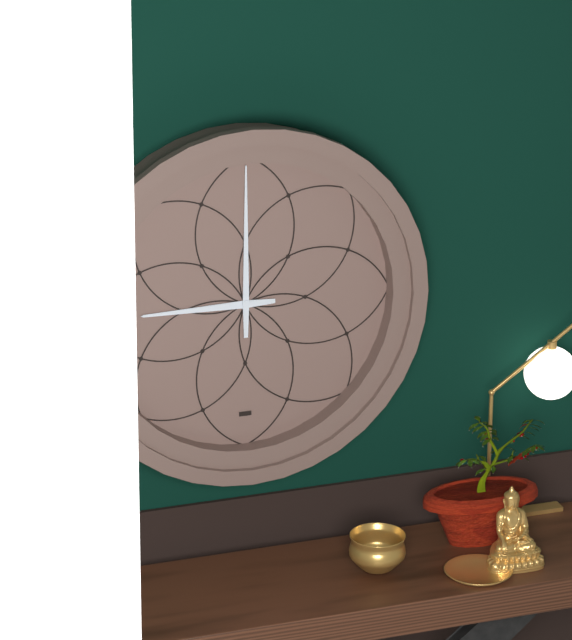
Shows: 9:00
